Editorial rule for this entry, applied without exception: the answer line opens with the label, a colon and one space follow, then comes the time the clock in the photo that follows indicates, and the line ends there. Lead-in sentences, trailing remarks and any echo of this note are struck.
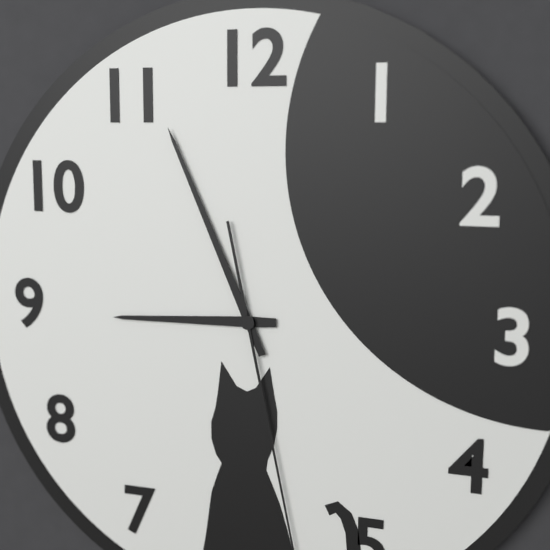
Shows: 8:56
